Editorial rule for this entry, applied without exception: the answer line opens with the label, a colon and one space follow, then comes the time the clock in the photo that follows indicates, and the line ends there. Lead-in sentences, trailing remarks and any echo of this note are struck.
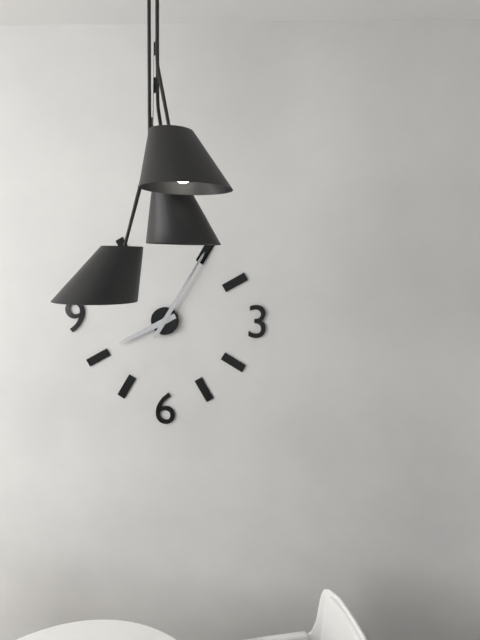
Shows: 8:05
